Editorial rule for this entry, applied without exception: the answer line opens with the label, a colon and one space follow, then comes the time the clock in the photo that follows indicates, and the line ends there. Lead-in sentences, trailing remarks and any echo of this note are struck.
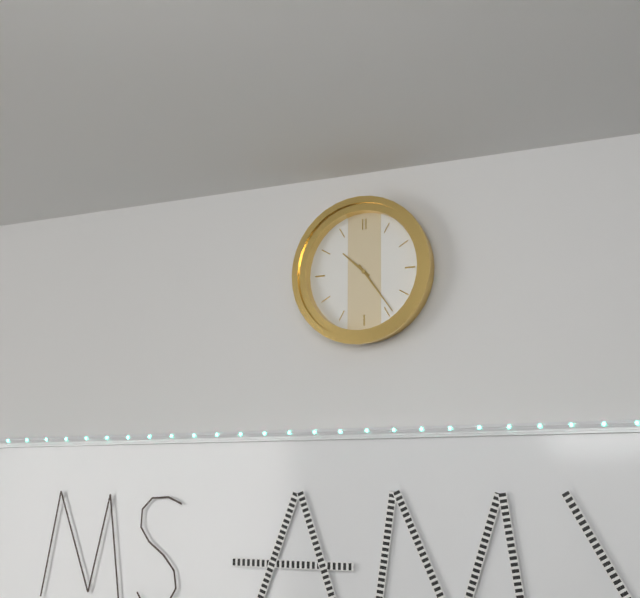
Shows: 10:24
